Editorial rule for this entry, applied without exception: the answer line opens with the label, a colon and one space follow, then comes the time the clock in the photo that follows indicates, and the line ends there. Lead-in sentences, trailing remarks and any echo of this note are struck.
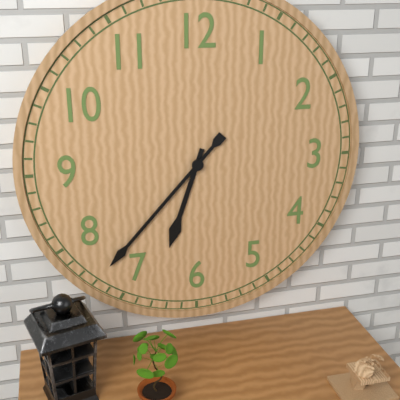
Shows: 6:37
